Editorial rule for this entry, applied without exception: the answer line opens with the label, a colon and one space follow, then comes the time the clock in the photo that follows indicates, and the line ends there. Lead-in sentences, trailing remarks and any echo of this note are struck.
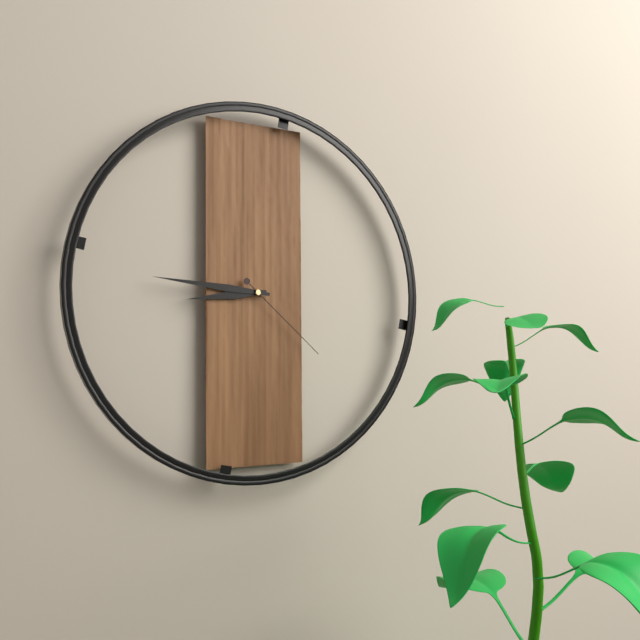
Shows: 8:46:22
